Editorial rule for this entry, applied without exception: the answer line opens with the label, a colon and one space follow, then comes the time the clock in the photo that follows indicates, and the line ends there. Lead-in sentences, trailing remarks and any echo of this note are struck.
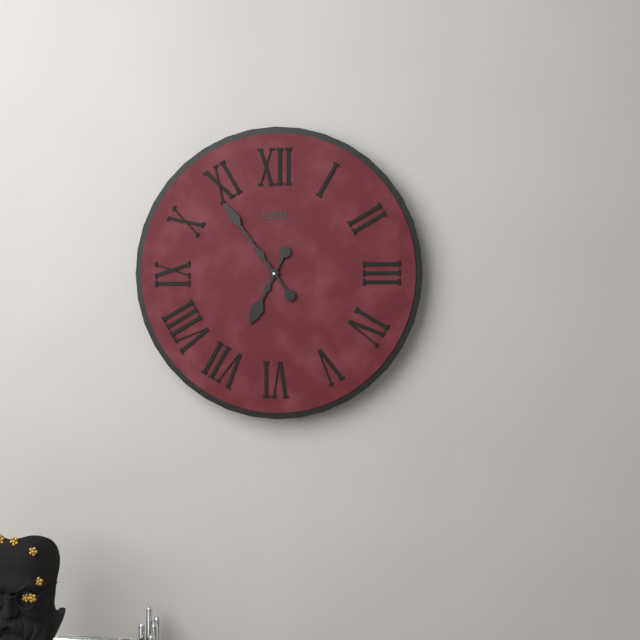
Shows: 6:54
